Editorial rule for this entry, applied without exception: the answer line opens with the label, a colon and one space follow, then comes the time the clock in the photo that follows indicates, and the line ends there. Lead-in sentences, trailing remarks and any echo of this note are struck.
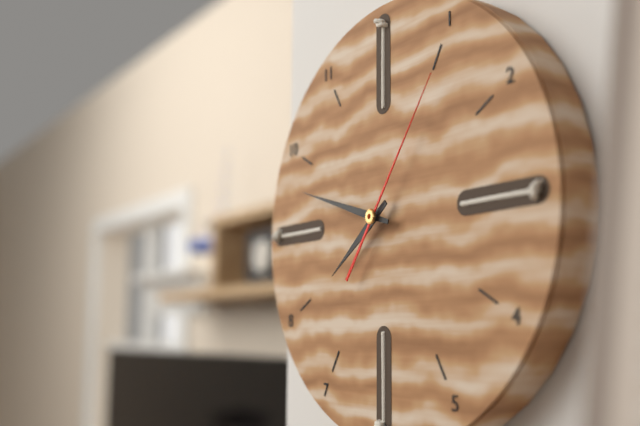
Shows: 7:48:06
